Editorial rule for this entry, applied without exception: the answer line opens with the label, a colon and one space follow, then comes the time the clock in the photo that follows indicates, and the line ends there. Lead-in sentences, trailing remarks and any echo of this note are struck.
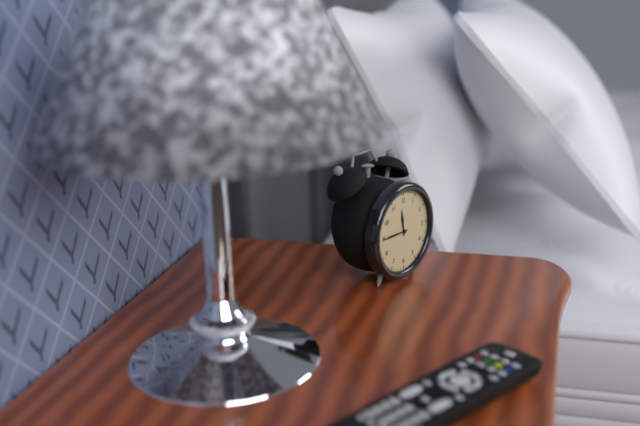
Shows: 11:45
